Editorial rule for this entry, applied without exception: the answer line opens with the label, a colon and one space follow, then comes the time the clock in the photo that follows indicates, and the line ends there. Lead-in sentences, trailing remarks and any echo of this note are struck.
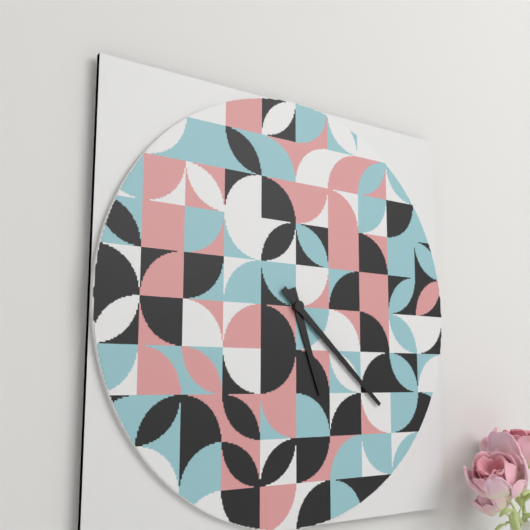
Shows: 5:22
